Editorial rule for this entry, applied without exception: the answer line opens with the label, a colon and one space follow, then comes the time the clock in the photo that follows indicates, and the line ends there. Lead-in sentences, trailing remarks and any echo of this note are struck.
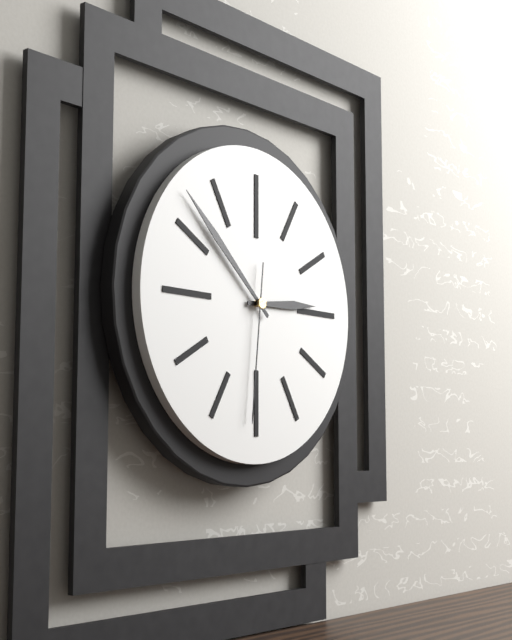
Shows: 2:52:31
